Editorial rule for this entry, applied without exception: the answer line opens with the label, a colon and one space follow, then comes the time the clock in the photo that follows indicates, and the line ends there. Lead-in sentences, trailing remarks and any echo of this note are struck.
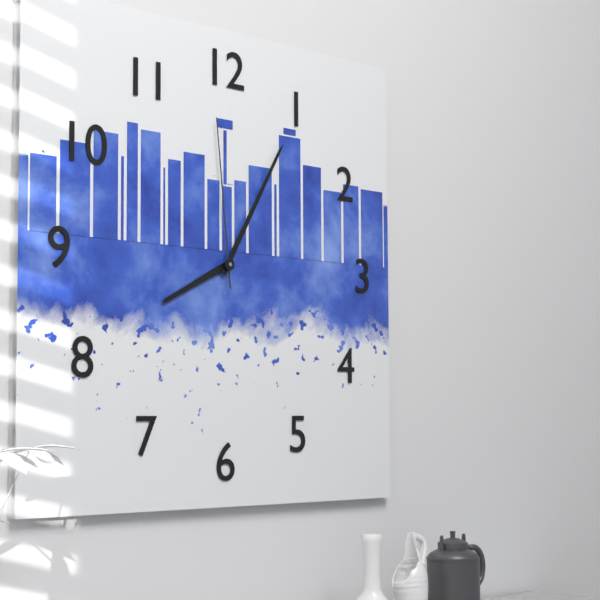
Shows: 8:05:59
